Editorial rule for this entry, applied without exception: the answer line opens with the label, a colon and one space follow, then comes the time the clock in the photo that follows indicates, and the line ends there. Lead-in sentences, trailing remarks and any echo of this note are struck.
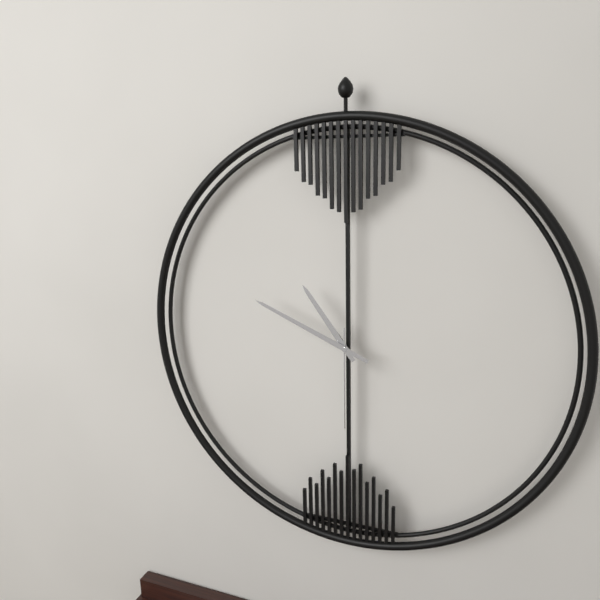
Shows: 10:49:30
